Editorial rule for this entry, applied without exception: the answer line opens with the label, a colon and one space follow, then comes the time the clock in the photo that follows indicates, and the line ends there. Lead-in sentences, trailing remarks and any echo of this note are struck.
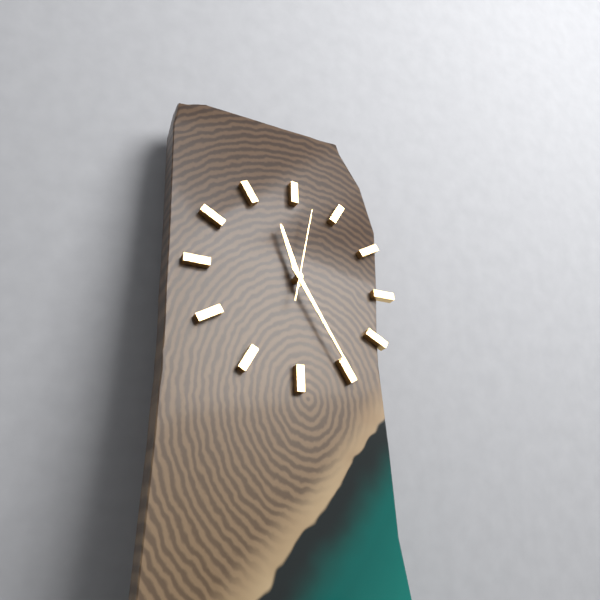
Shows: 11:25:02
